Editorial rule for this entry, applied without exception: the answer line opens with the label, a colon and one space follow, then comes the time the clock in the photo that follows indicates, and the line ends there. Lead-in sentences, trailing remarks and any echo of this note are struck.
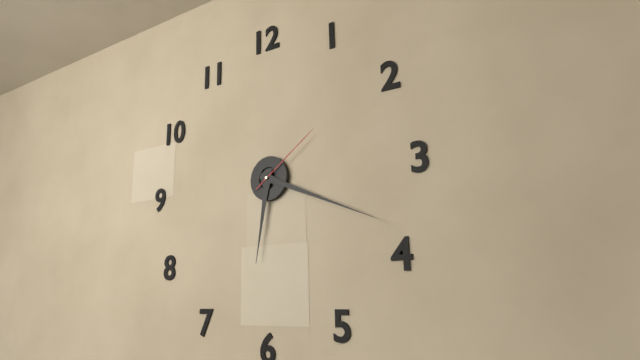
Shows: 6:19:09
